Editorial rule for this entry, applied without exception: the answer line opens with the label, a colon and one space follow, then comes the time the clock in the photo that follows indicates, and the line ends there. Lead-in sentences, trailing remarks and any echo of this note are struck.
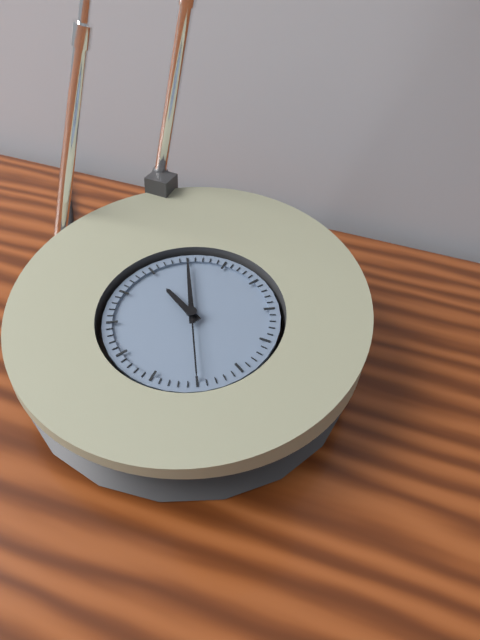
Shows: 9:55:25
